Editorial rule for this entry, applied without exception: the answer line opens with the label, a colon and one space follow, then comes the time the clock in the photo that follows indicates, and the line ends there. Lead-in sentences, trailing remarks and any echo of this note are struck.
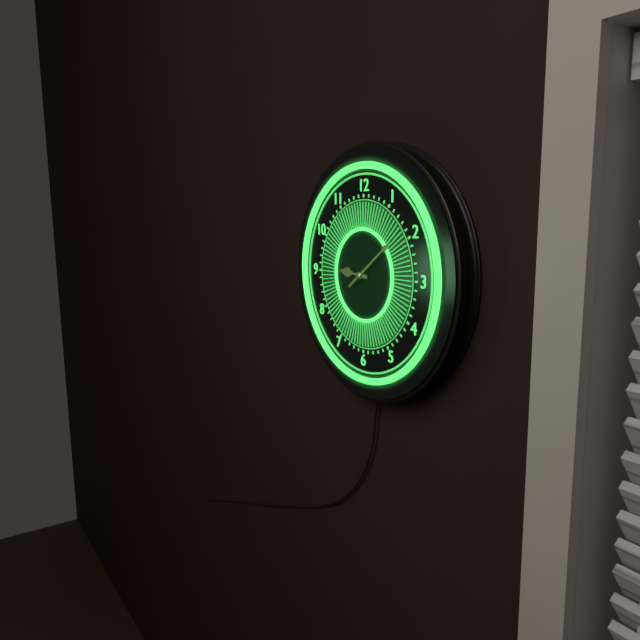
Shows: 9:09
